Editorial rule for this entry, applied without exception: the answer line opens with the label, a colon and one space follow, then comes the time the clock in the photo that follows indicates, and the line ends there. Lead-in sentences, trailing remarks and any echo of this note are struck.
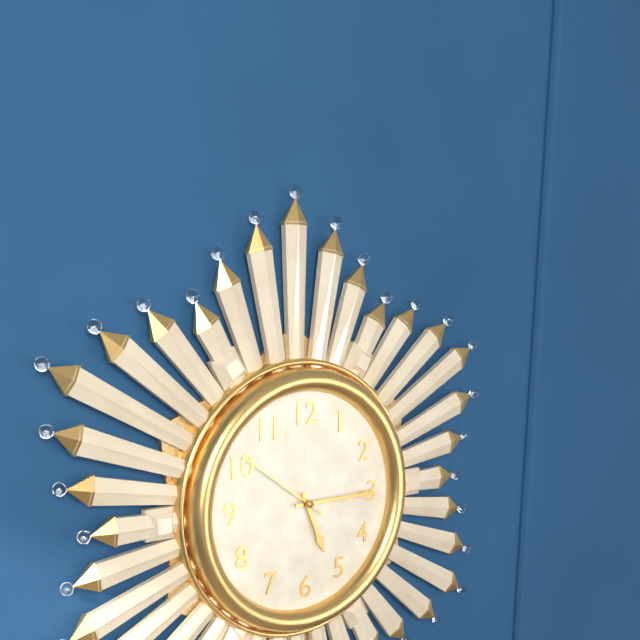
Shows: 5:15:51
